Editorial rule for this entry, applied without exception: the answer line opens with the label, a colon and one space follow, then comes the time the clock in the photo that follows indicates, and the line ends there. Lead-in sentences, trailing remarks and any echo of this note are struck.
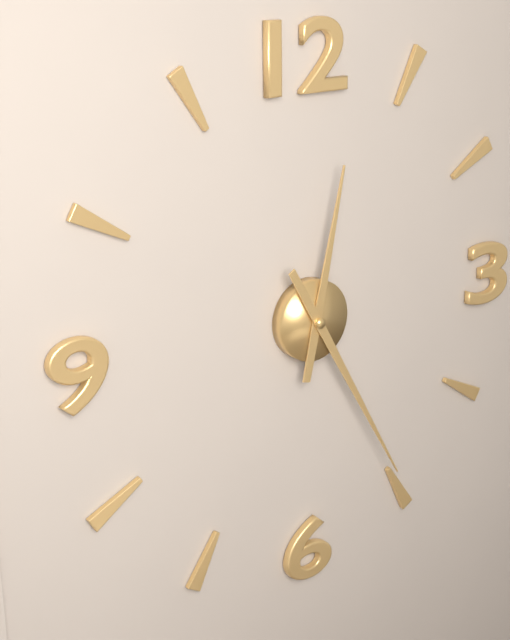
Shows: 12:25
